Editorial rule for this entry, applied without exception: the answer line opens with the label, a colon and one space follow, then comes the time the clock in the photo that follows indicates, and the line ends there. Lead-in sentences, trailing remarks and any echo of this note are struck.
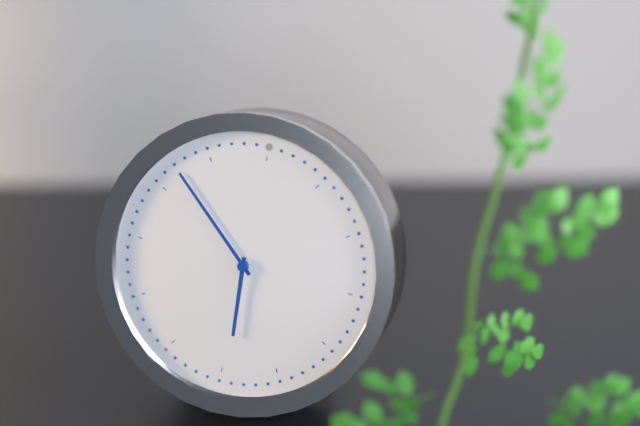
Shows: 5:52
